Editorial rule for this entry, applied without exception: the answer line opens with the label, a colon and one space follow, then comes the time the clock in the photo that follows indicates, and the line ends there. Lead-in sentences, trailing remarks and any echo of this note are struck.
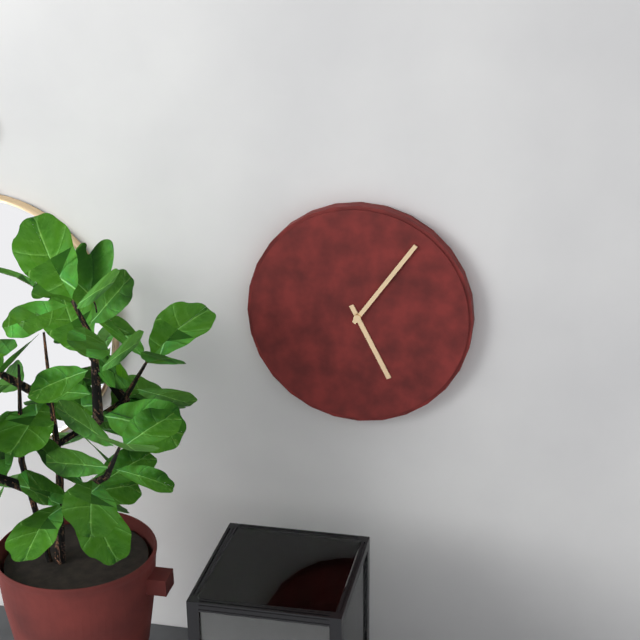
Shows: 5:06
